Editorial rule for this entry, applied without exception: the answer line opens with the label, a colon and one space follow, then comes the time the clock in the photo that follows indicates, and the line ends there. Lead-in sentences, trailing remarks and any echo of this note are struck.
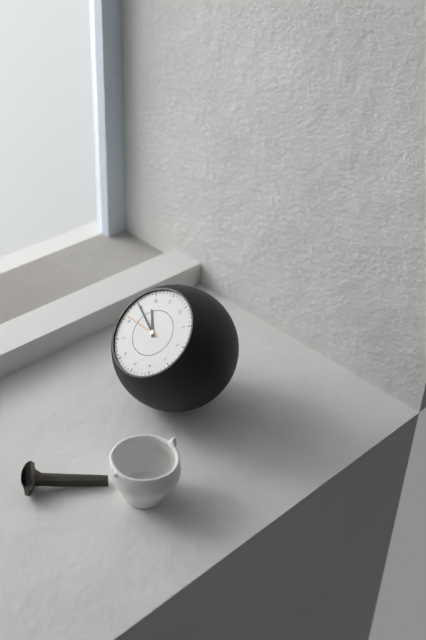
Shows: 9:45
